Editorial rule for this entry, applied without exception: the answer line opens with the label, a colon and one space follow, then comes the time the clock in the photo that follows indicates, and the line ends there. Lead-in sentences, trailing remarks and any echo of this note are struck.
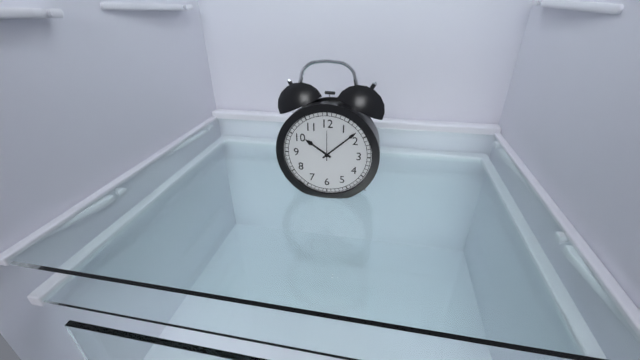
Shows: 10:08
